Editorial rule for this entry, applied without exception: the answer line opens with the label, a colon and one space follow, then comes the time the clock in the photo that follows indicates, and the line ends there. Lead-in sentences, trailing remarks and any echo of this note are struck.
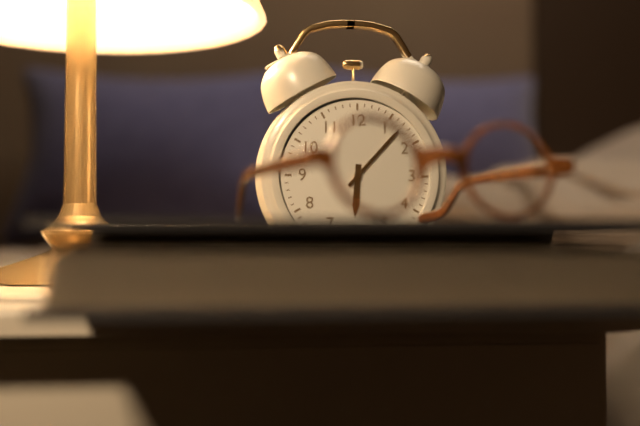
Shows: 6:07
